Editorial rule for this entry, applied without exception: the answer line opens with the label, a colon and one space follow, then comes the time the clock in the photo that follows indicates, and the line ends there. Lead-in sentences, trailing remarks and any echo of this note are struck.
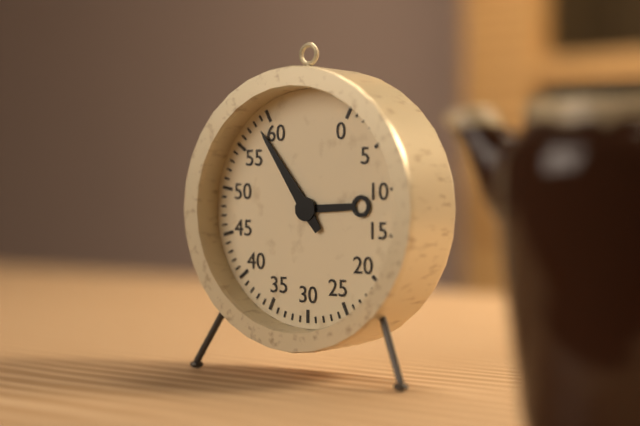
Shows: 2:54
